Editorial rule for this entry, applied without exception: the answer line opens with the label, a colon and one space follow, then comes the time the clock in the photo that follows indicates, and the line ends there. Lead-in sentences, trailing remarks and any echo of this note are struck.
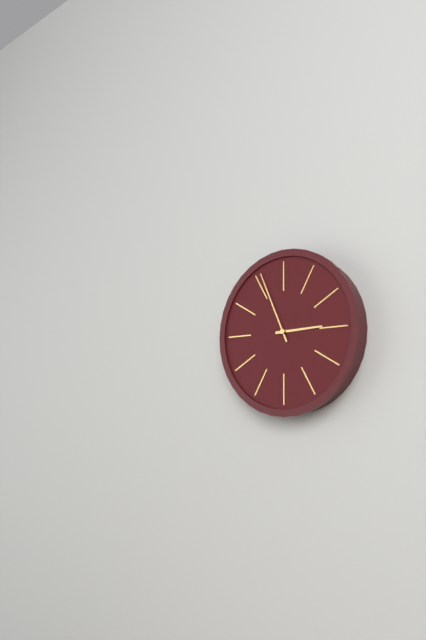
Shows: 2:56
